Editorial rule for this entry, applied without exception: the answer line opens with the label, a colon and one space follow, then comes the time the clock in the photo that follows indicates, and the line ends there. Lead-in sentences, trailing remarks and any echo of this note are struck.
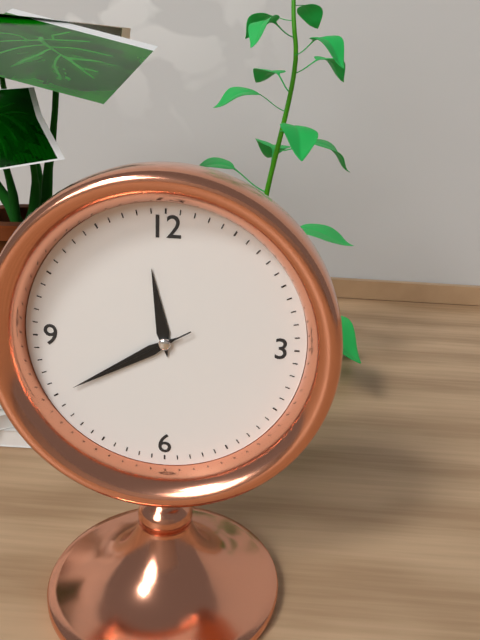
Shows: 11:40:40
